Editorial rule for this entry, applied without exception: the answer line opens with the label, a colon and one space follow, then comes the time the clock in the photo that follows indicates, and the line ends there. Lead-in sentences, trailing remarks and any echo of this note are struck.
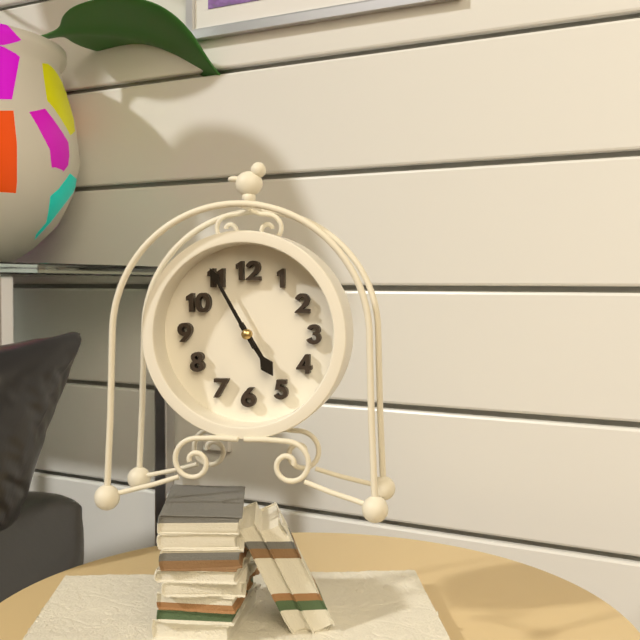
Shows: 4:55
